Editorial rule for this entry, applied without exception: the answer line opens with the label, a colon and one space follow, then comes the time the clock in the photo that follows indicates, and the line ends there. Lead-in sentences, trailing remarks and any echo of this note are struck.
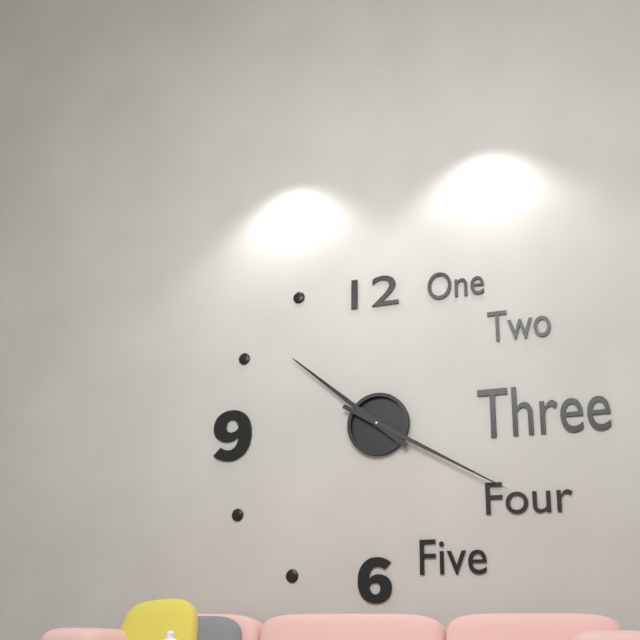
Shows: 10:20
